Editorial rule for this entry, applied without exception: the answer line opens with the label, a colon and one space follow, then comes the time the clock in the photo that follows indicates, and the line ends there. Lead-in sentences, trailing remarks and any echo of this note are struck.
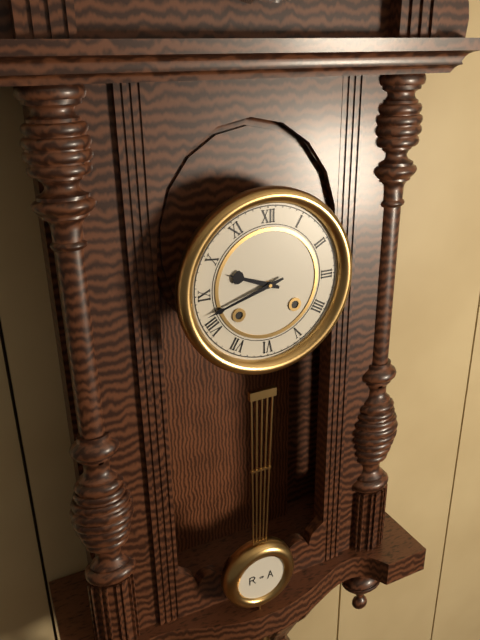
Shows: 9:42
